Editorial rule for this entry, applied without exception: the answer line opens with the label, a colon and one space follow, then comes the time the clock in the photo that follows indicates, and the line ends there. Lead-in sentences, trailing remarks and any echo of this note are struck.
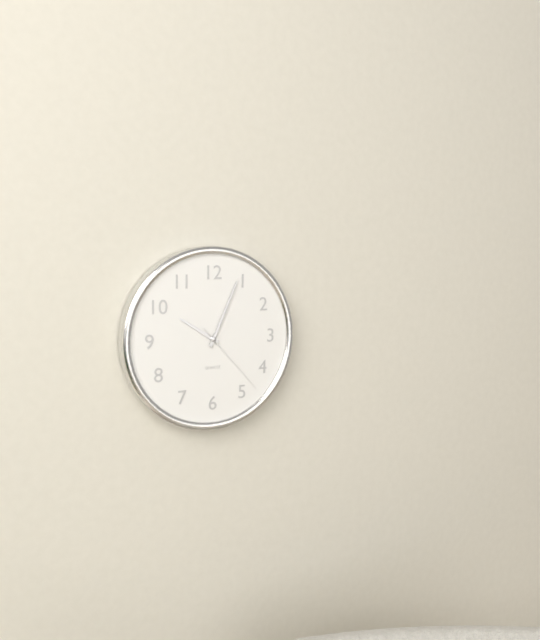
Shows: 10:04:23
